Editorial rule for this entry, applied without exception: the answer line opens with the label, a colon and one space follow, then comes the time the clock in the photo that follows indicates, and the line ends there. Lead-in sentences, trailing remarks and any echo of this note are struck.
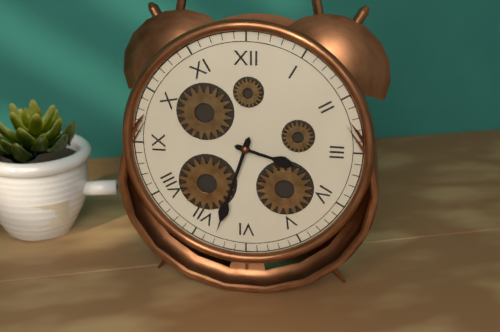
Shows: 3:33
